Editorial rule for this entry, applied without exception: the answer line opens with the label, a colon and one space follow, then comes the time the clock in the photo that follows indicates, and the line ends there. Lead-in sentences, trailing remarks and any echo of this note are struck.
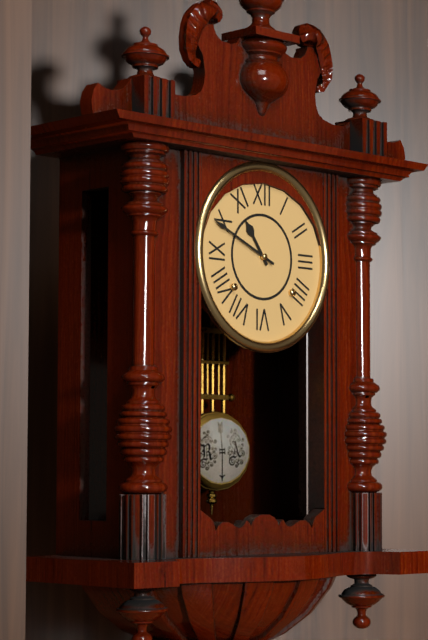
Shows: 10:49
